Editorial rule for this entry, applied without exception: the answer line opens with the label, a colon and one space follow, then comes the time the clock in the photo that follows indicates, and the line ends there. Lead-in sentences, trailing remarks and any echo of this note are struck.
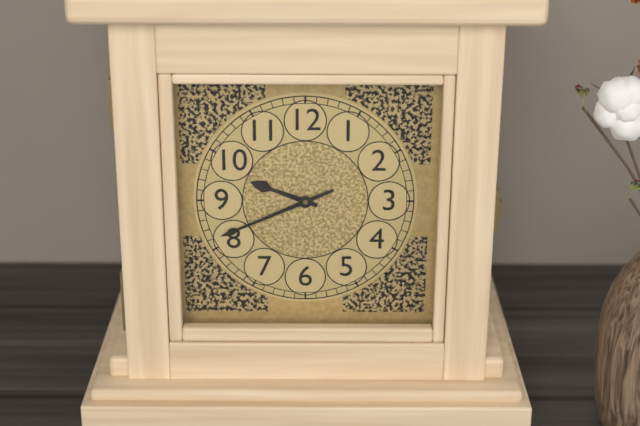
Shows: 9:41
